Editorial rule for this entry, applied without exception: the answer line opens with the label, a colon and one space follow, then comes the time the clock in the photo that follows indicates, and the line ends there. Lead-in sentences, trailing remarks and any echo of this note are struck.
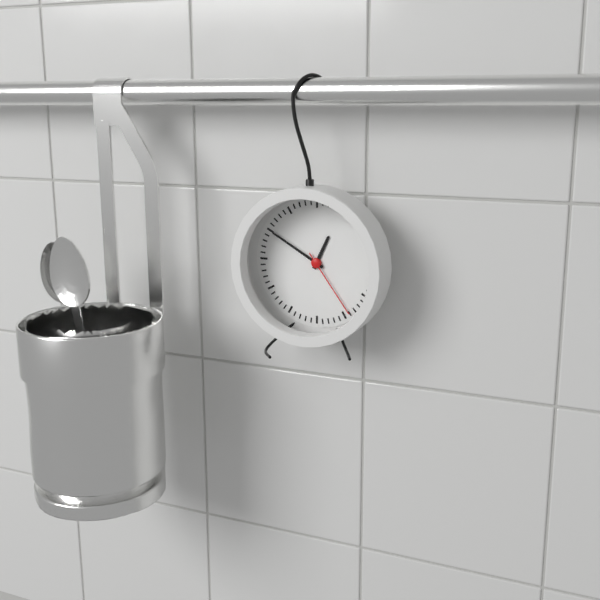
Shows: 12:50:24
